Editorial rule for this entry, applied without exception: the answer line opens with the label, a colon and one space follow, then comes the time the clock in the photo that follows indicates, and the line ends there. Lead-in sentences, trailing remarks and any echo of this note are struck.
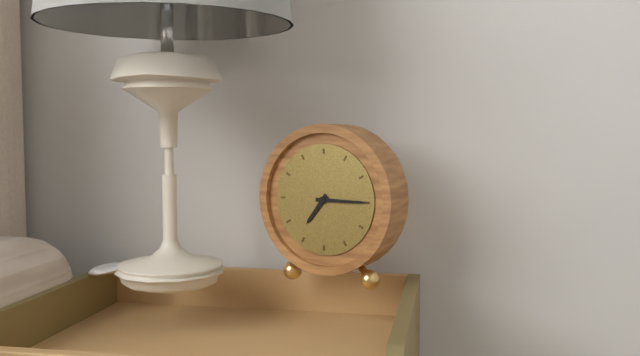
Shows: 7:15
